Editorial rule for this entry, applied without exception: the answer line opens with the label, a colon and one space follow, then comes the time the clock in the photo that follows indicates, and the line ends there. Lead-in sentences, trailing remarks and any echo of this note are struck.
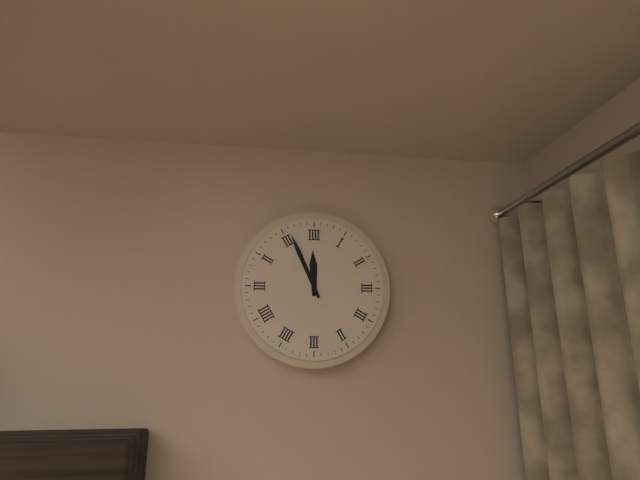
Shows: 11:56
